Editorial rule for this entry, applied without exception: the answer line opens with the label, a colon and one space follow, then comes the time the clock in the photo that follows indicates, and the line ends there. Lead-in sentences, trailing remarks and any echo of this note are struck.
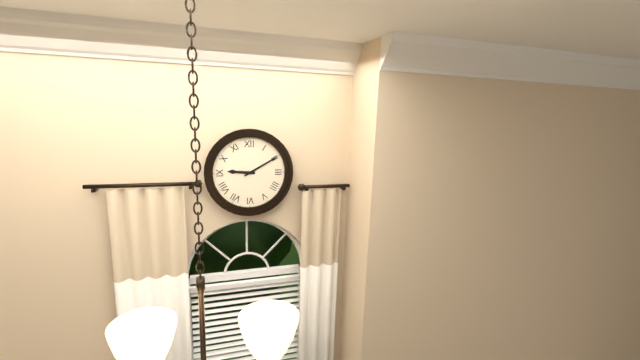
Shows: 9:10
